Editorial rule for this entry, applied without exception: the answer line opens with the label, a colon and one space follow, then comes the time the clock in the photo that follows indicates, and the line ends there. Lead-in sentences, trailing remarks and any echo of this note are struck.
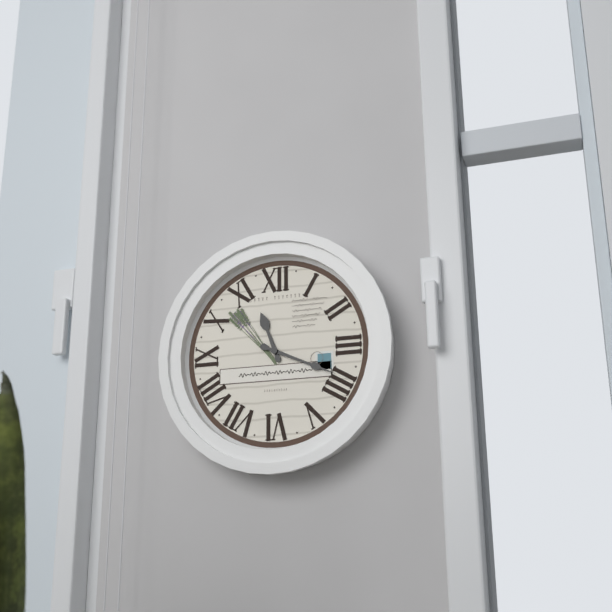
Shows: 11:19
